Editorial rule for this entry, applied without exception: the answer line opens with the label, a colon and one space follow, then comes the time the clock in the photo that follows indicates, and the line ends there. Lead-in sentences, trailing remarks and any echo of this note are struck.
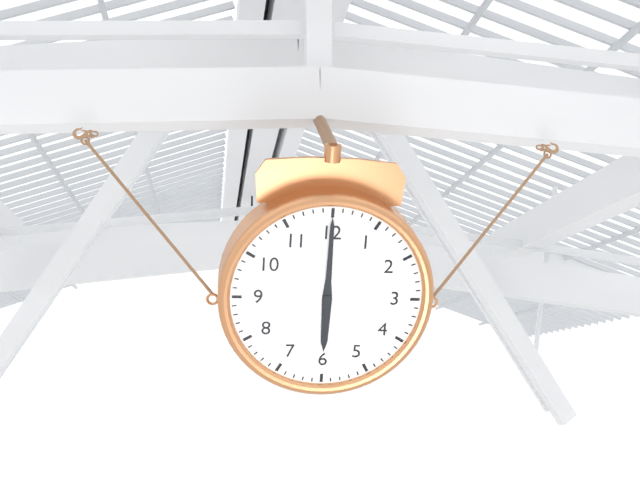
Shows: 6:00
